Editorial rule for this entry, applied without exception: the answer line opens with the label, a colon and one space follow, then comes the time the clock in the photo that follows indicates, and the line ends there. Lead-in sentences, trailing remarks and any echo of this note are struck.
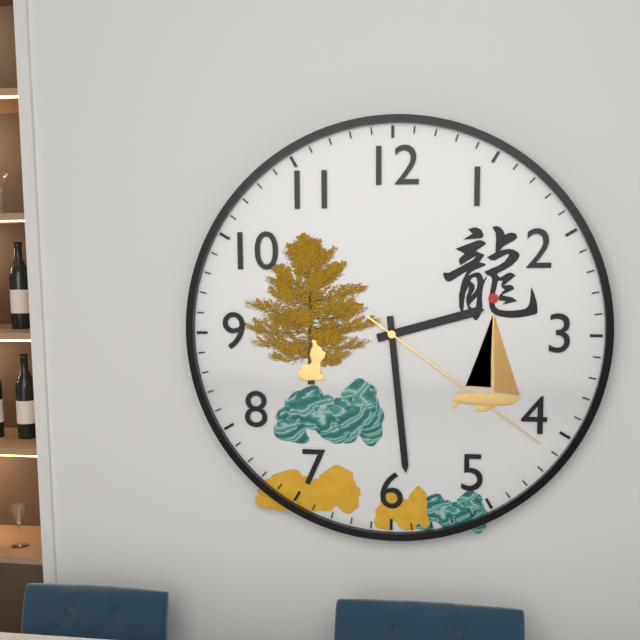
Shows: 2:29:21
